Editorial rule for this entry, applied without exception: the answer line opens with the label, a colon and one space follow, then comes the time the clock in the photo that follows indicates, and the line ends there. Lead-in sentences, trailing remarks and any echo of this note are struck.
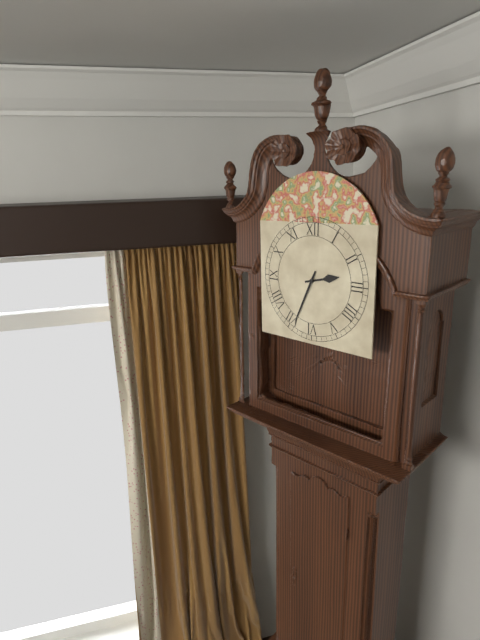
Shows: 2:34
